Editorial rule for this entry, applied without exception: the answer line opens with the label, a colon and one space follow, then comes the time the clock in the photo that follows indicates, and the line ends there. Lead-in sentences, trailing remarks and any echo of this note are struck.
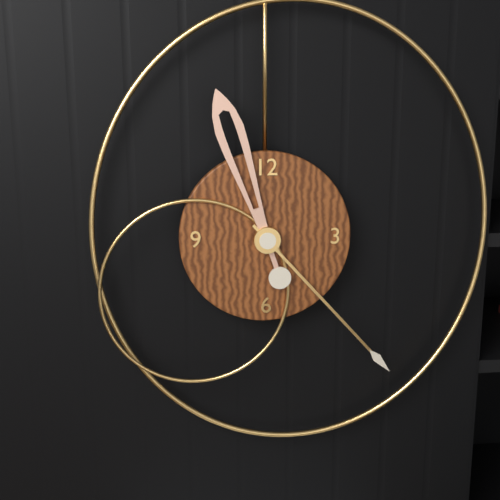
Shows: 11:23
